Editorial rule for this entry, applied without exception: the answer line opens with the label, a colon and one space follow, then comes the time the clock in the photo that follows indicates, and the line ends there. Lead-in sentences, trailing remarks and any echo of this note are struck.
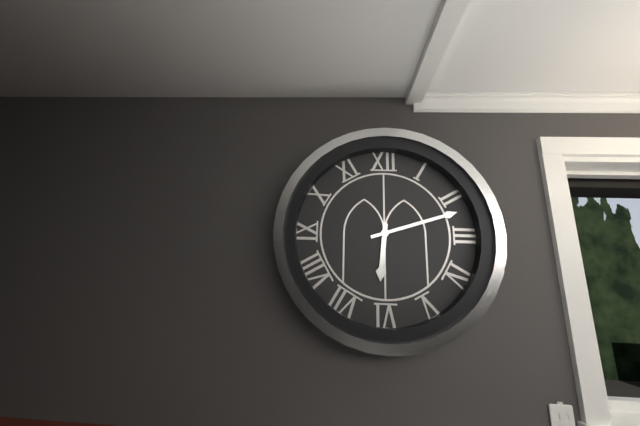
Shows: 6:12
